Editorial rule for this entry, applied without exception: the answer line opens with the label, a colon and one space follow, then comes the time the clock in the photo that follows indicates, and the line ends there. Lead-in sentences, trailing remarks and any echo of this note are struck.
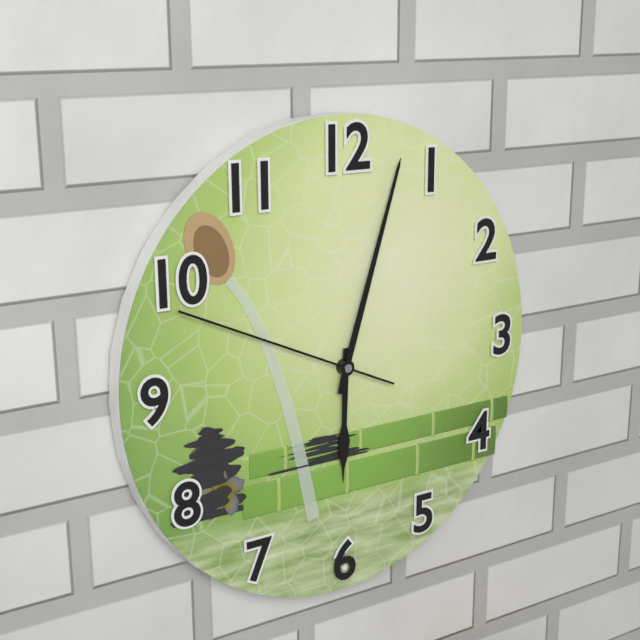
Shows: 6:03:49
